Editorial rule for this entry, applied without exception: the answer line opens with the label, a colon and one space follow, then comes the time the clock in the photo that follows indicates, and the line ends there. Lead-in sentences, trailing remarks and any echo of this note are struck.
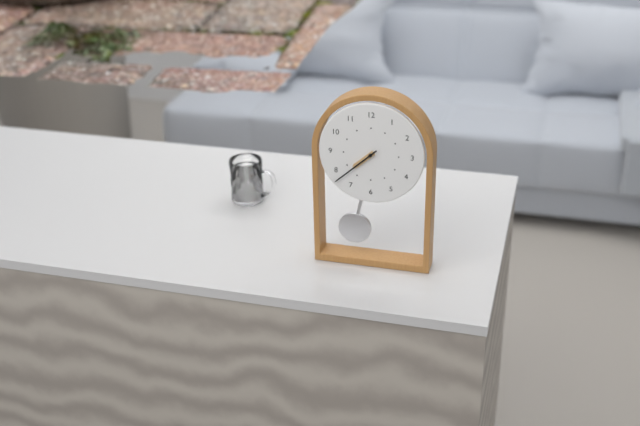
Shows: 7:38
